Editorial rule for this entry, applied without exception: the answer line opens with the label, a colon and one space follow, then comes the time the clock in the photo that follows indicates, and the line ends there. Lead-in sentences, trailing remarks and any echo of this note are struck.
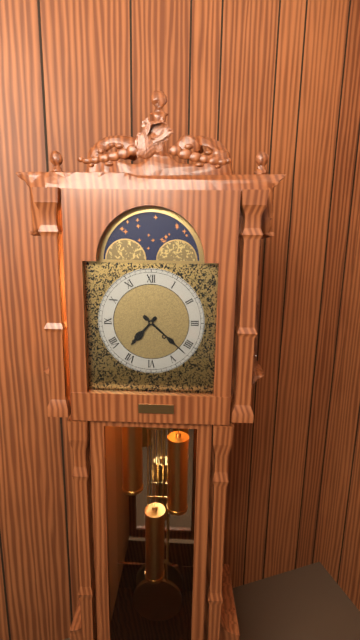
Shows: 7:22
